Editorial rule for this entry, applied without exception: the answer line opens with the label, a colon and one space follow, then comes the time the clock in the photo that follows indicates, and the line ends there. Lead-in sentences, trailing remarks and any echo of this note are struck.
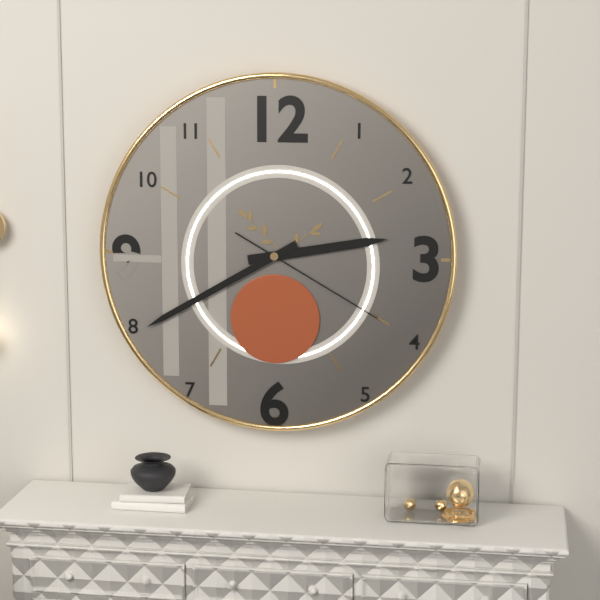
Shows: 2:40:20
